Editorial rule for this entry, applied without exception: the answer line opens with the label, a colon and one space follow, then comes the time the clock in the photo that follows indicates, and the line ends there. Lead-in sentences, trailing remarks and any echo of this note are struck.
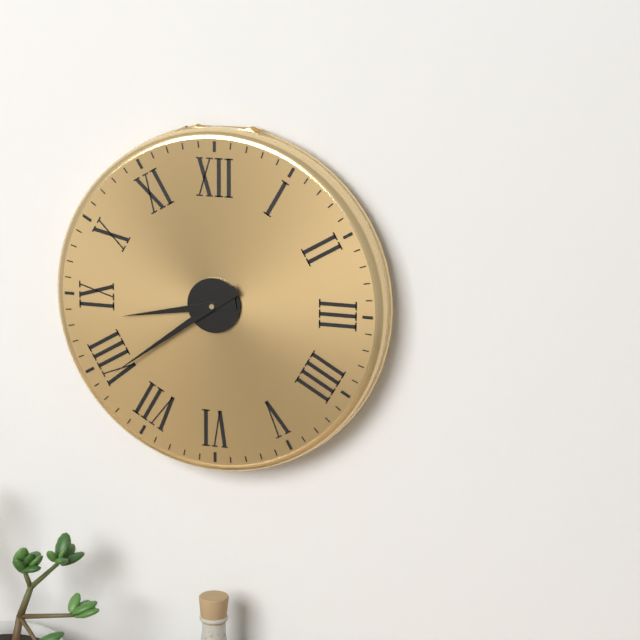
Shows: 8:39
